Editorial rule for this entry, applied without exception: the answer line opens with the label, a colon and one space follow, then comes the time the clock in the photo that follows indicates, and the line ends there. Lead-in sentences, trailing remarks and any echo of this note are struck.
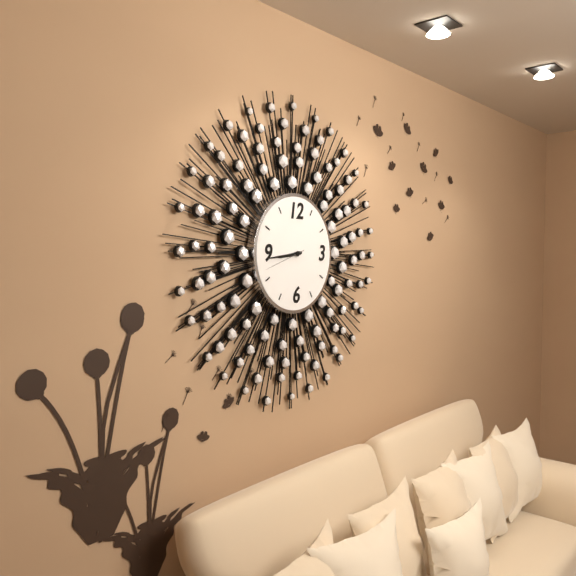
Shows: 8:44
